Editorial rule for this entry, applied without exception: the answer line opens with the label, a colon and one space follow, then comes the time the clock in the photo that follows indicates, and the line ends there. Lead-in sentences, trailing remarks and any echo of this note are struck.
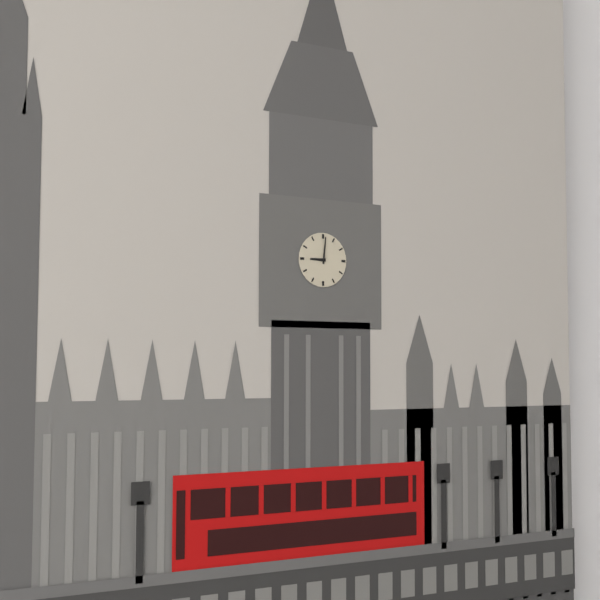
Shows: 9:01
